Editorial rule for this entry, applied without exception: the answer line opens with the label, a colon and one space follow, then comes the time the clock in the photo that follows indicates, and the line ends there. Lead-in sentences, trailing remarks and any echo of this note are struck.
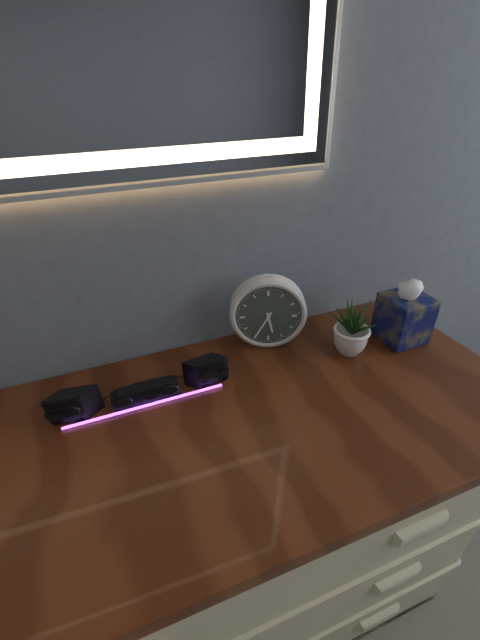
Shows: 5:35
